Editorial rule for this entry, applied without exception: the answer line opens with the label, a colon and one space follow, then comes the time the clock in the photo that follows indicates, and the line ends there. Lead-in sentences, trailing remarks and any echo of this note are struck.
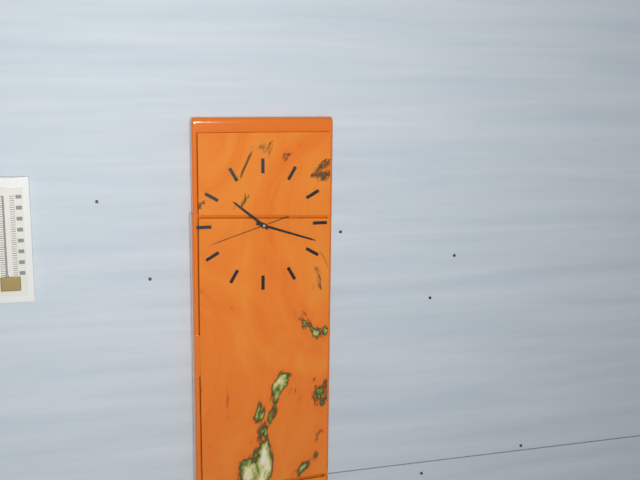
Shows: 10:18:42
